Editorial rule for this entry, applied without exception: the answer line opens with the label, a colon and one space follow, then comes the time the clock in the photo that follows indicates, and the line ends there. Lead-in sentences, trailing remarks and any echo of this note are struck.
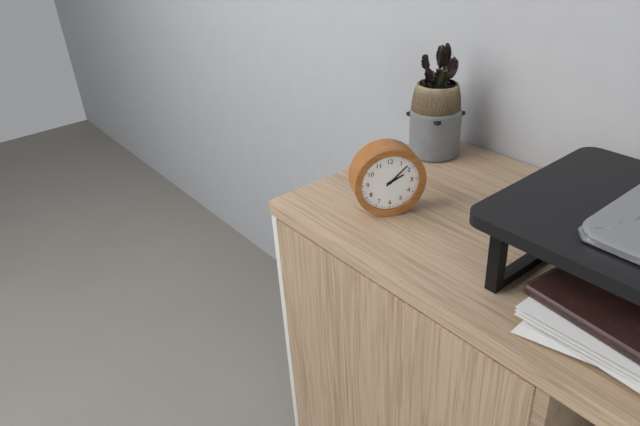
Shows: 2:08
